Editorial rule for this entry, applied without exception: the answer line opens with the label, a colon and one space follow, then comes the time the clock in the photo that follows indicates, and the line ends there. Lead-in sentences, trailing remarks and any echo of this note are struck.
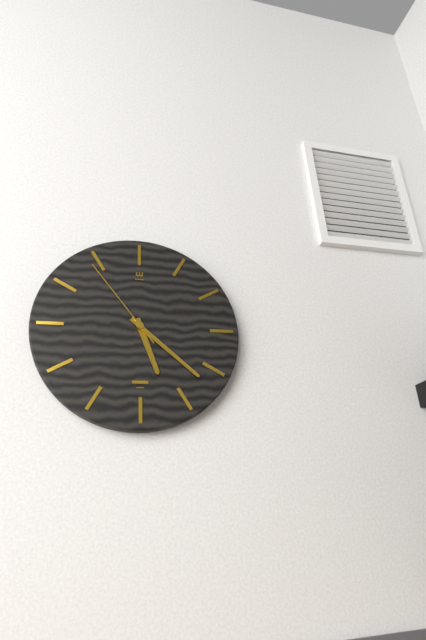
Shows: 5:22:54
